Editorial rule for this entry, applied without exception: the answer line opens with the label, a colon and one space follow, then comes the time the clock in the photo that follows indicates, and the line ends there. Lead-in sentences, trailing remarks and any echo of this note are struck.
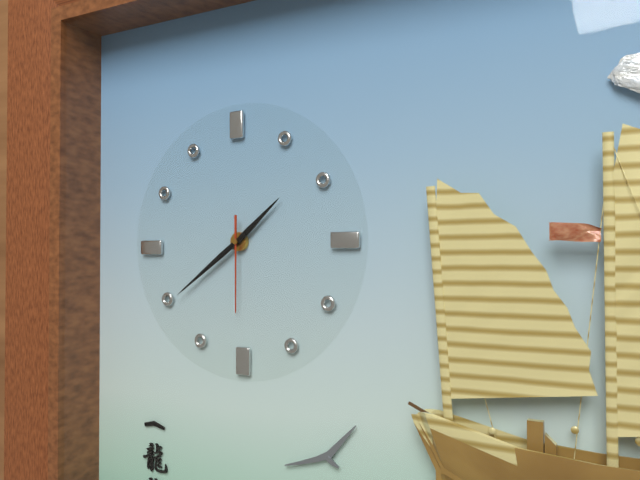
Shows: 1:39:30
